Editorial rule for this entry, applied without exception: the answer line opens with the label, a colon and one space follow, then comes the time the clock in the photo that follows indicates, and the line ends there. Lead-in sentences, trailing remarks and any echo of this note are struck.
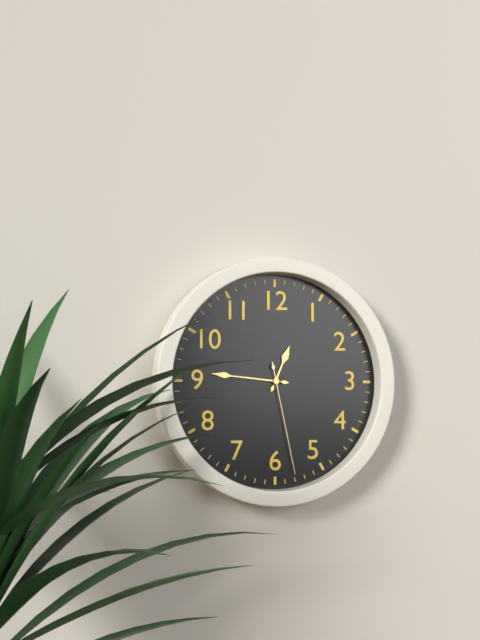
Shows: 12:46:28
